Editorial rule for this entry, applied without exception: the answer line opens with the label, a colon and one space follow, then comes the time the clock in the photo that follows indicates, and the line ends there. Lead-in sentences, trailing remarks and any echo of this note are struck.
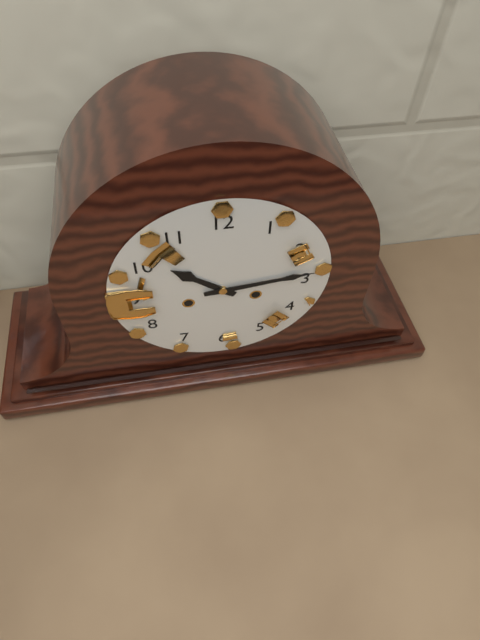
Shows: 10:14
